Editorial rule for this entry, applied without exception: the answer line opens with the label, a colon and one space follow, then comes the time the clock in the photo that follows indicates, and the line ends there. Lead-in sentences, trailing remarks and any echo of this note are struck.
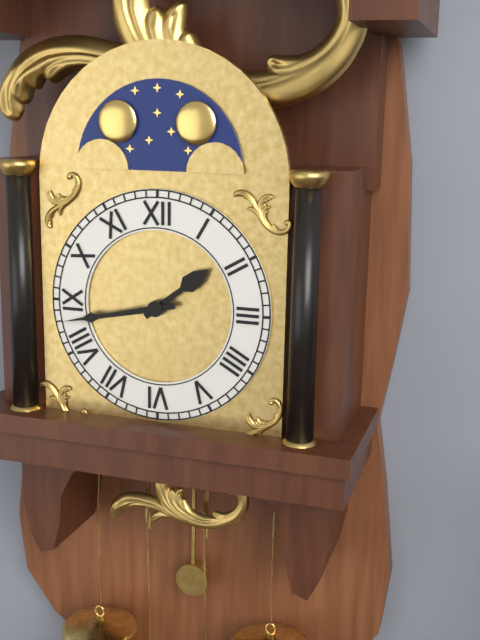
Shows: 1:43
